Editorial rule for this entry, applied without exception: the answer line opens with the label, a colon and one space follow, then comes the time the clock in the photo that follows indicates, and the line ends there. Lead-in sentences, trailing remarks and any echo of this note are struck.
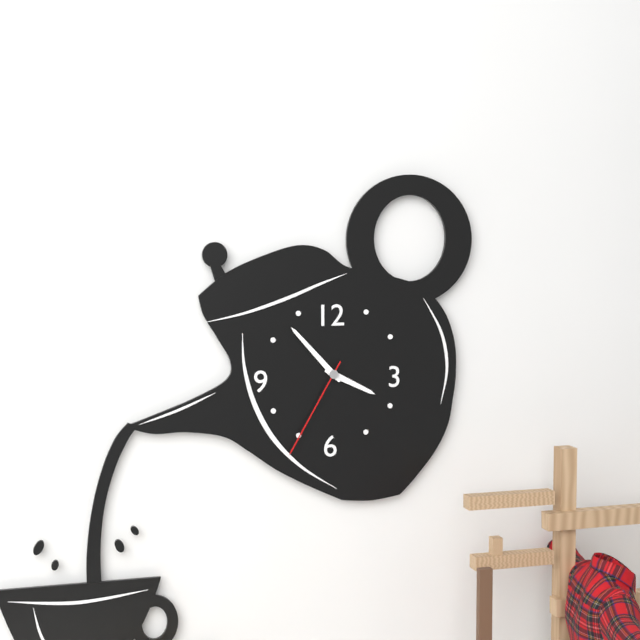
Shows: 3:53:35
